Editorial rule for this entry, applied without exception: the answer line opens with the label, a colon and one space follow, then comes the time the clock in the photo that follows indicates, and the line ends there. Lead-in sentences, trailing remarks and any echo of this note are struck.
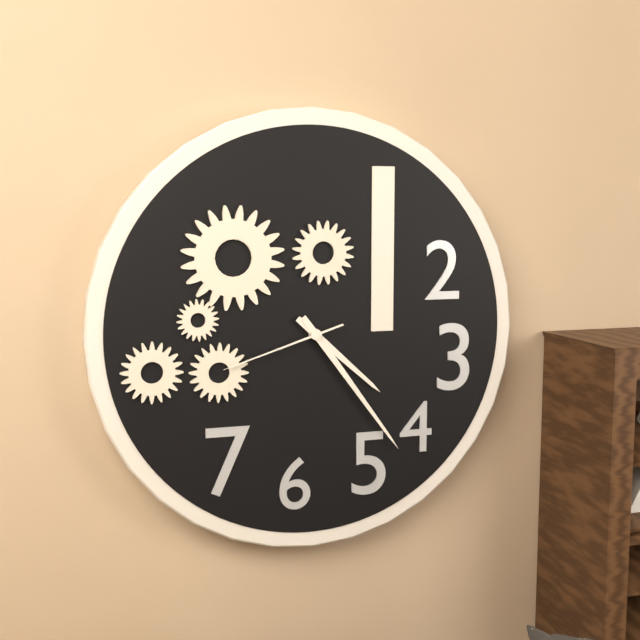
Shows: 4:24:42
